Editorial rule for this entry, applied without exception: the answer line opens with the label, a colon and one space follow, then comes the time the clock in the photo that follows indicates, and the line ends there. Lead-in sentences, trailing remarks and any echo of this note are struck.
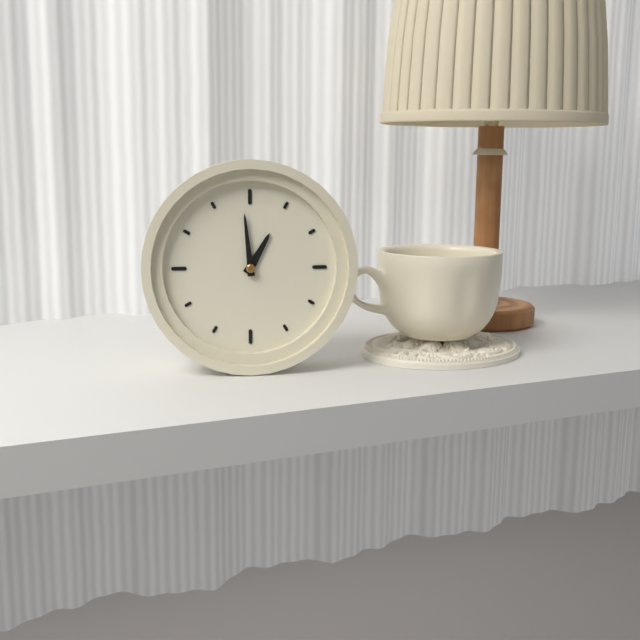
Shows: 12:59
